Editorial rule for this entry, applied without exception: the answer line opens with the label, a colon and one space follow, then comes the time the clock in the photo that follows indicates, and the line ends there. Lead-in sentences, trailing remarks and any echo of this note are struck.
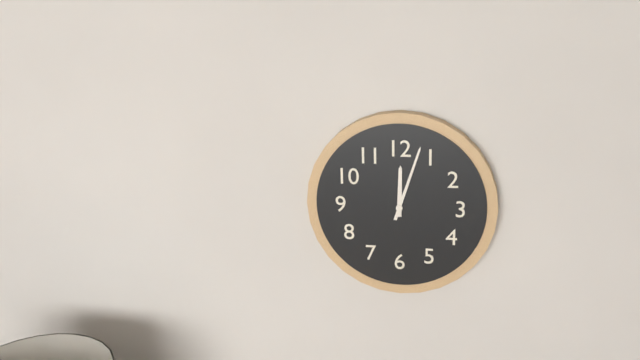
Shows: 12:03
